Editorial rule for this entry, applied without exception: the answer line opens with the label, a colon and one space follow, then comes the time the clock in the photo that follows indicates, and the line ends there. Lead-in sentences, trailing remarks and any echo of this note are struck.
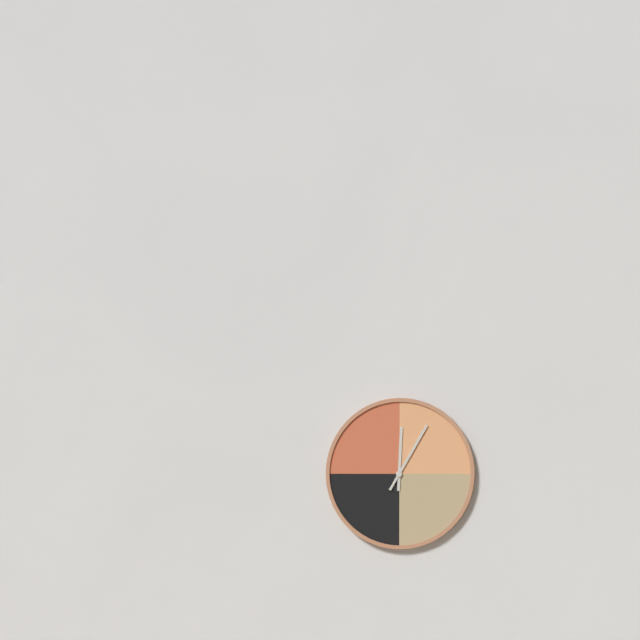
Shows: 12:05
